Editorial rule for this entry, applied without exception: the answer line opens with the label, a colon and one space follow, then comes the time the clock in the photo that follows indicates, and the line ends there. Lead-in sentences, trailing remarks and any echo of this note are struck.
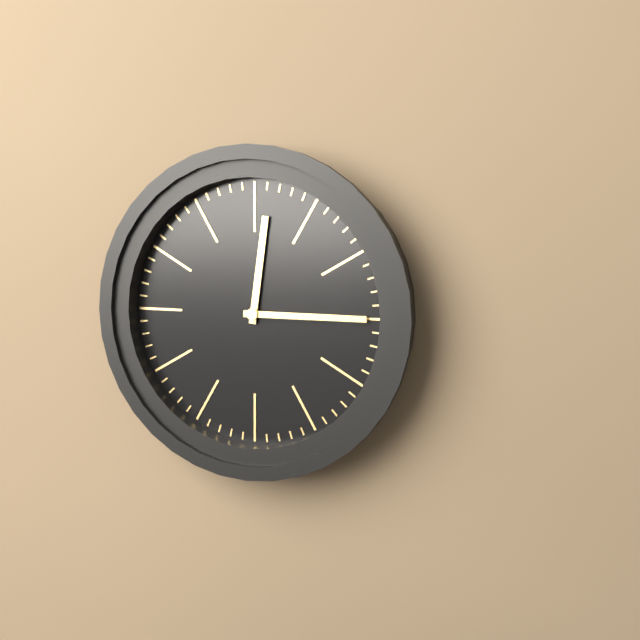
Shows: 12:15
